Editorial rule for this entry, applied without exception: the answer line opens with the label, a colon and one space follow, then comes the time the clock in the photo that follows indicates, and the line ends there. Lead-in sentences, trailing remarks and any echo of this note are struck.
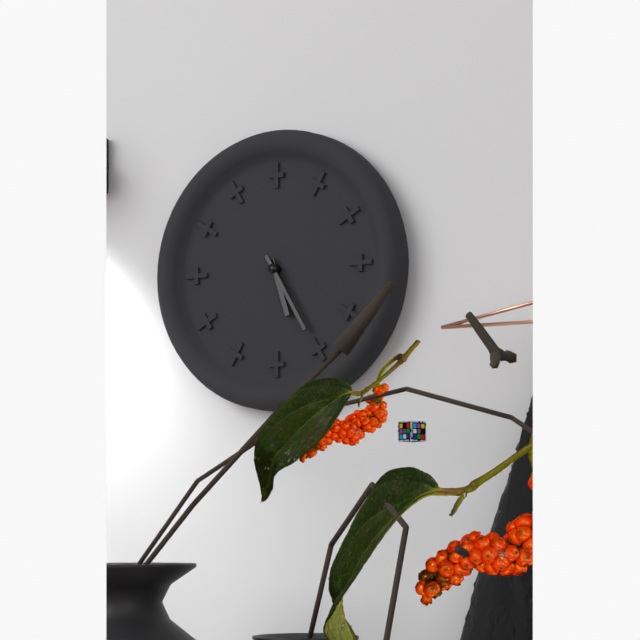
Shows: 5:25
